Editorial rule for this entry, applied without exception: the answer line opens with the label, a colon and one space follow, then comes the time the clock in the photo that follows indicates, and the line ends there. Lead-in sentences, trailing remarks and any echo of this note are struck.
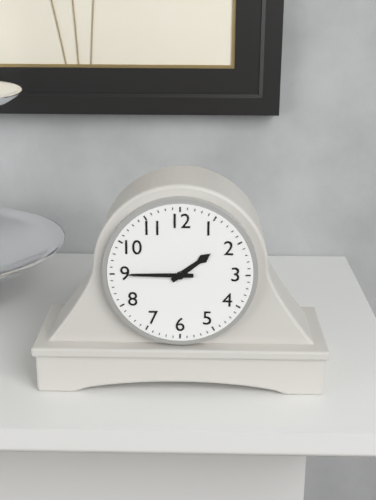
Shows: 1:45
